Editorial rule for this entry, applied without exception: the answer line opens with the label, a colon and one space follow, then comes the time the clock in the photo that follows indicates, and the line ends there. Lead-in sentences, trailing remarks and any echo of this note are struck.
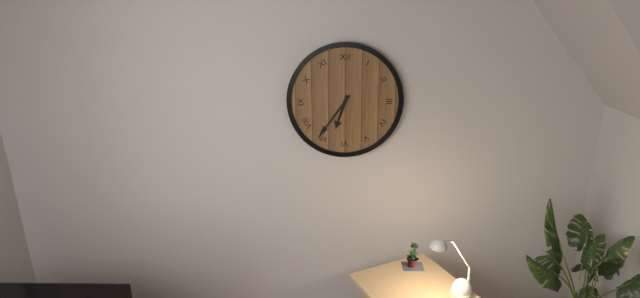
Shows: 6:36
